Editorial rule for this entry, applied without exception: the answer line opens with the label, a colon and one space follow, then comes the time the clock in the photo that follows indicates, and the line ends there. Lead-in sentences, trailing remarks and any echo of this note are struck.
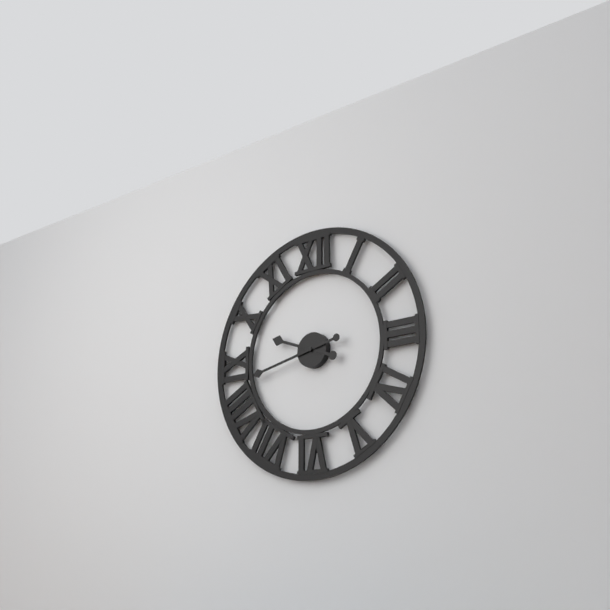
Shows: 9:43
